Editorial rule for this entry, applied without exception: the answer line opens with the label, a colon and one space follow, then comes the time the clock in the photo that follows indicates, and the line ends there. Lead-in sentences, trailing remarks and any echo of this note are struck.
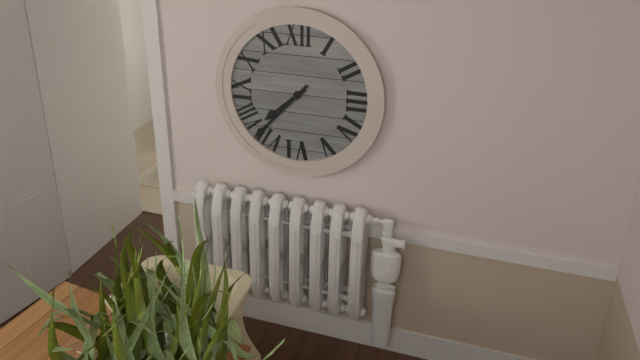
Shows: 7:37
